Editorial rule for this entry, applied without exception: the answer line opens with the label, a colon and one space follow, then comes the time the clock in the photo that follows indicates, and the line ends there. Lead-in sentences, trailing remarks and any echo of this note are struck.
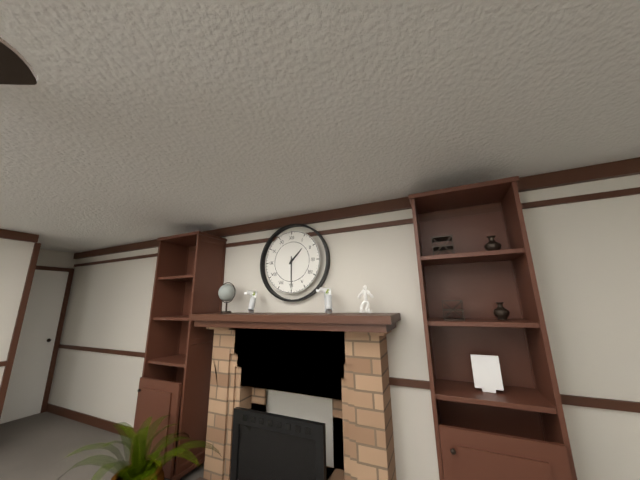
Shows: 1:30
